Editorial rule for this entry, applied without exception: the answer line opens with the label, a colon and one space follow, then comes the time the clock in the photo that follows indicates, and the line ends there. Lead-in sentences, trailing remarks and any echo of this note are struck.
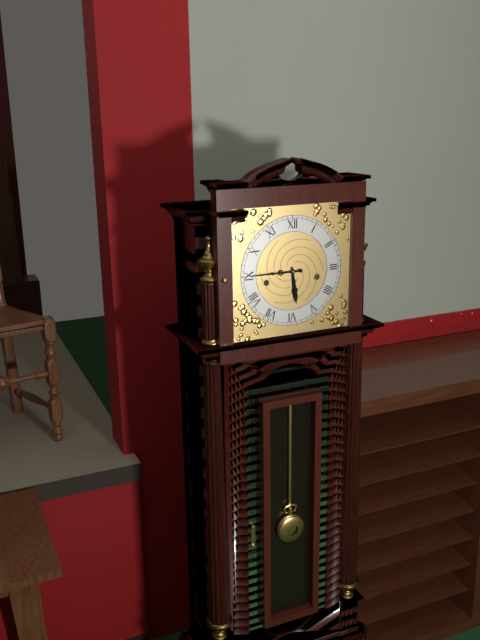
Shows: 5:45
